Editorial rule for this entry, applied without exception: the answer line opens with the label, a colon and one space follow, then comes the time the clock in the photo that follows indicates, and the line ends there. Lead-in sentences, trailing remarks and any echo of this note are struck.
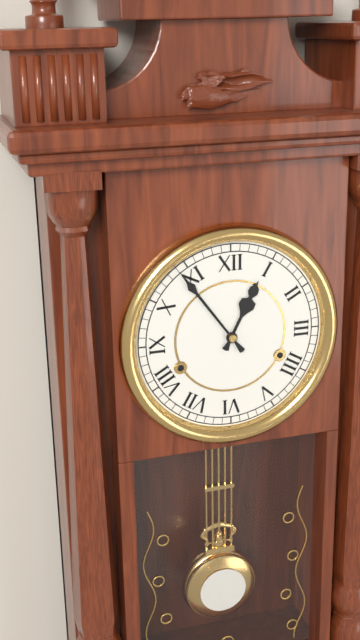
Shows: 12:54
